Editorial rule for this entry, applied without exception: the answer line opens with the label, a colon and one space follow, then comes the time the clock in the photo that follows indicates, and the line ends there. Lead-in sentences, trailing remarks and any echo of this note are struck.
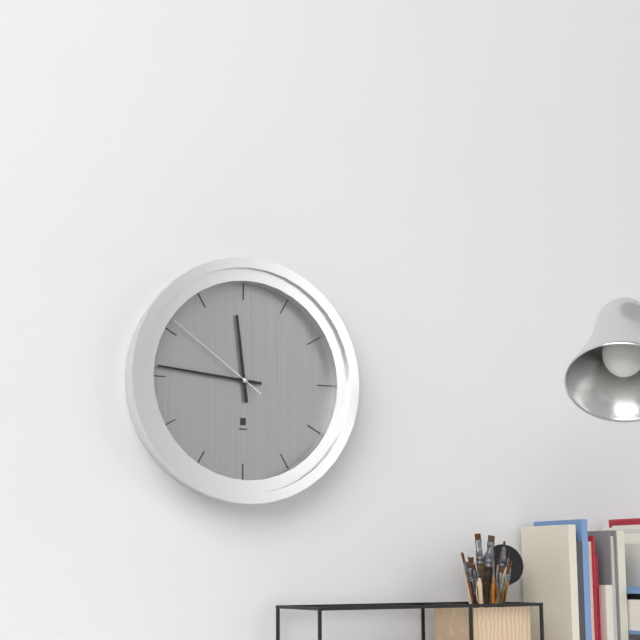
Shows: 11:46:51
